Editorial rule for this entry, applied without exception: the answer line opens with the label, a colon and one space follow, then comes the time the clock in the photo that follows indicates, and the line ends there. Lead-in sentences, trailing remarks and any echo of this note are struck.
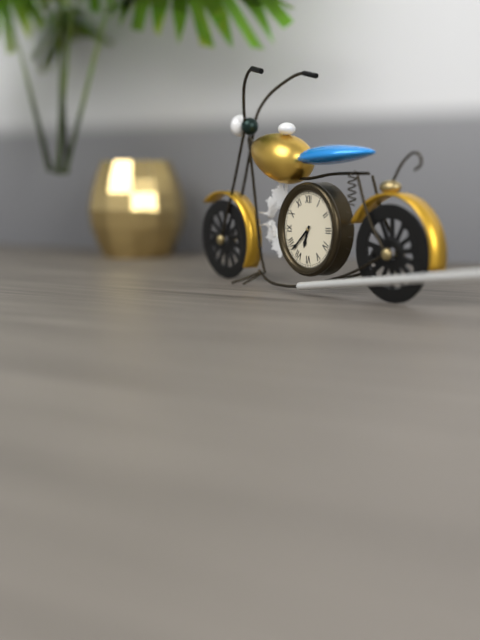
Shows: 6:38
